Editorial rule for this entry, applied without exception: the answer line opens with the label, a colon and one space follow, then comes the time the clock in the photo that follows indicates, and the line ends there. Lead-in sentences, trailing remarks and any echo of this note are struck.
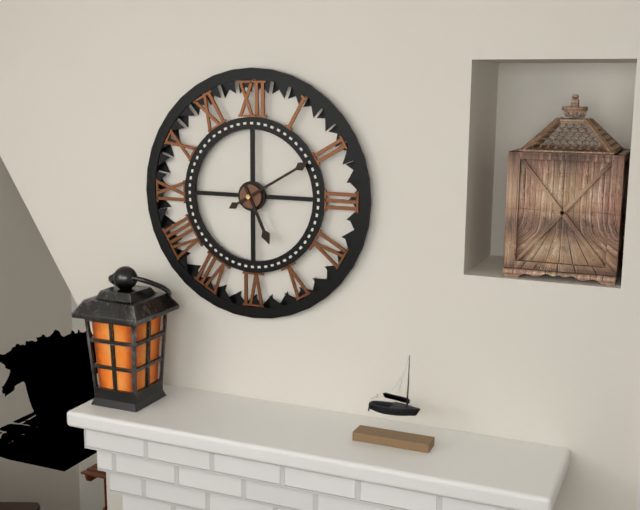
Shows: 5:10
